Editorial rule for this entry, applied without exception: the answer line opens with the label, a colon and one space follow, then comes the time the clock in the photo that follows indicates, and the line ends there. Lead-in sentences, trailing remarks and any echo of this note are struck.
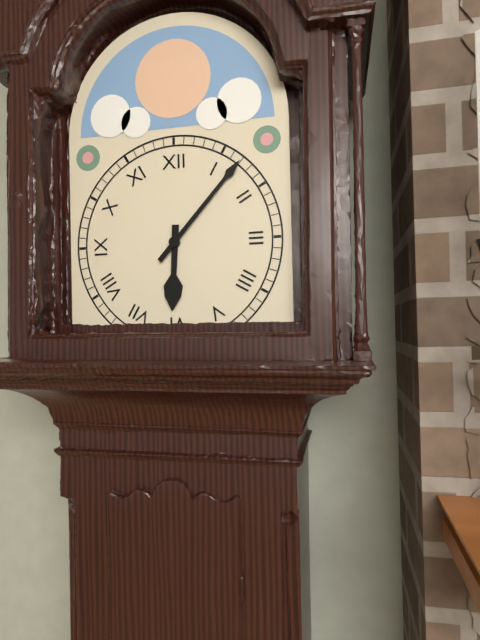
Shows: 6:07
